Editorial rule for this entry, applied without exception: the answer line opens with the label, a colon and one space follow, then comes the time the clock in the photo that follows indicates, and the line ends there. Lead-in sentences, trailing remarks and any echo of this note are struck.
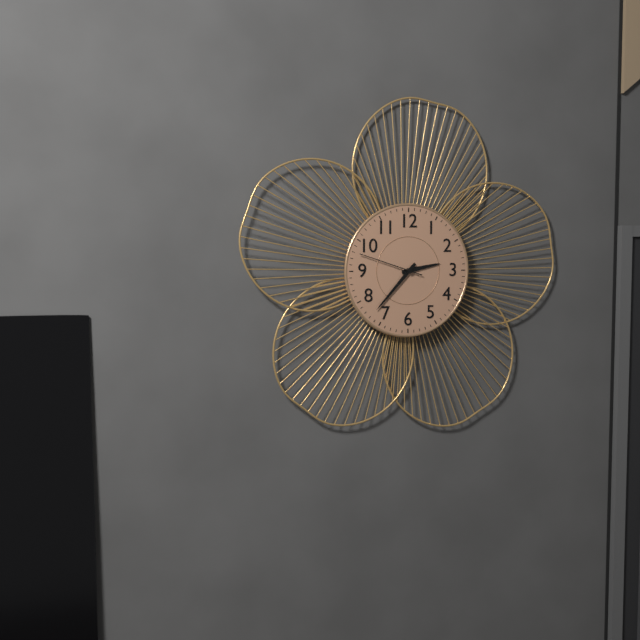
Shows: 2:37:48
